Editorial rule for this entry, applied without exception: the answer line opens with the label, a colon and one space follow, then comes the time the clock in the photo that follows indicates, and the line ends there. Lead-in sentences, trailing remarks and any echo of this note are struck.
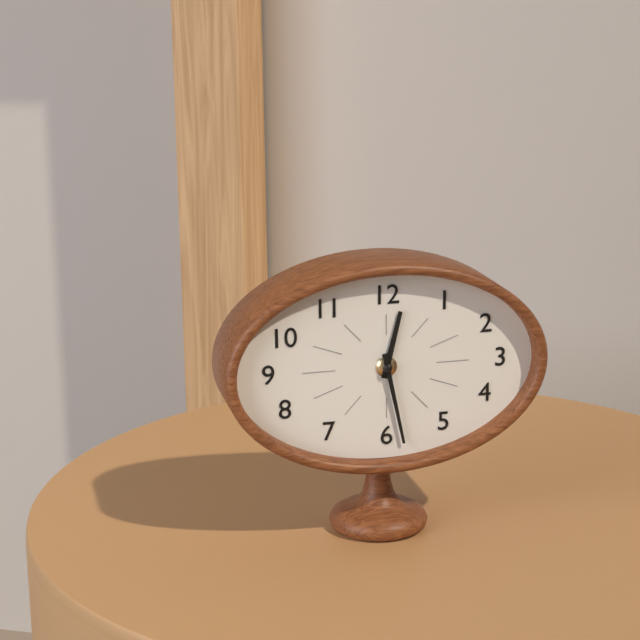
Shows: 12:28
